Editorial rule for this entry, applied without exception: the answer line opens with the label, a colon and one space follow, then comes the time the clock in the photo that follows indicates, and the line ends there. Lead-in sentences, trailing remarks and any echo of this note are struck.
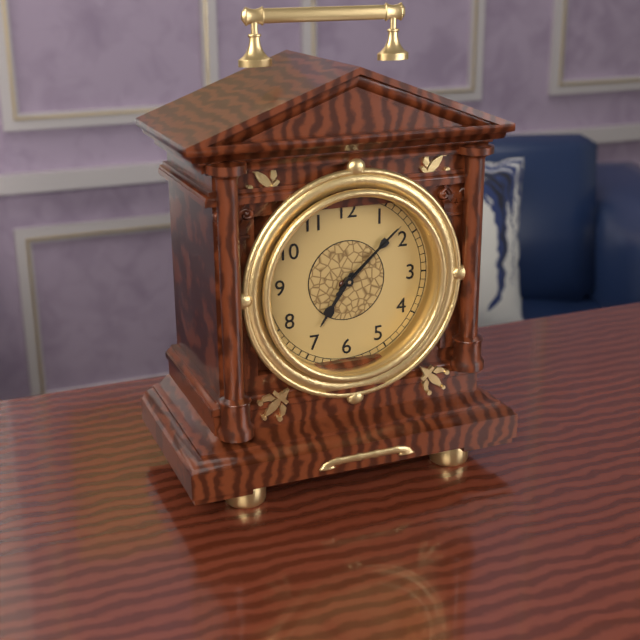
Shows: 7:08:08
